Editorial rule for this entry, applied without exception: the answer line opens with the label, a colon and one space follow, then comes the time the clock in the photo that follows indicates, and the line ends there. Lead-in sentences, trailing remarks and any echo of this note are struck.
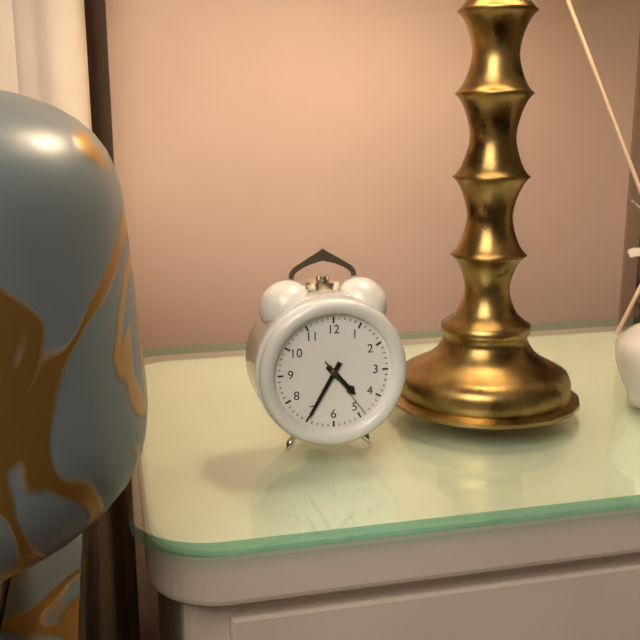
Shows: 4:35:24
